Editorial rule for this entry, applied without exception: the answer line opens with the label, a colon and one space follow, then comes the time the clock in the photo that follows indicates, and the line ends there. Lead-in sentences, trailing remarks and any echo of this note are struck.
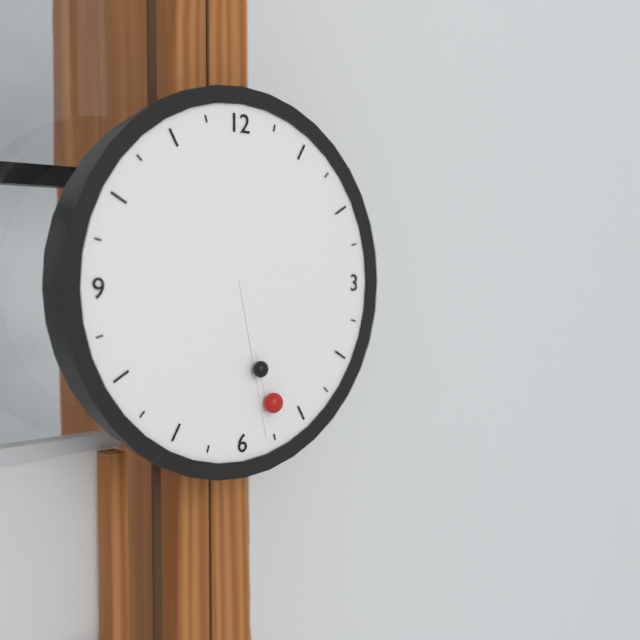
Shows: 5:28
